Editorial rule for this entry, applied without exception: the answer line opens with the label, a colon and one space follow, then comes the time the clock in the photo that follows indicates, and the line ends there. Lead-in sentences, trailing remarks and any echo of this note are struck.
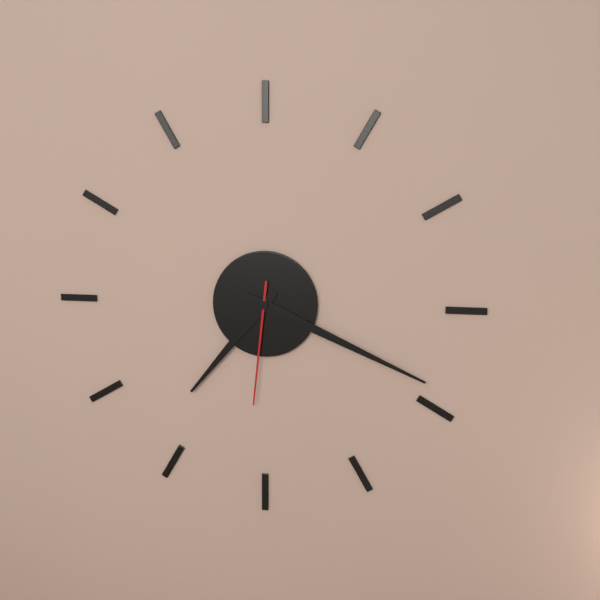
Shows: 7:19:31
